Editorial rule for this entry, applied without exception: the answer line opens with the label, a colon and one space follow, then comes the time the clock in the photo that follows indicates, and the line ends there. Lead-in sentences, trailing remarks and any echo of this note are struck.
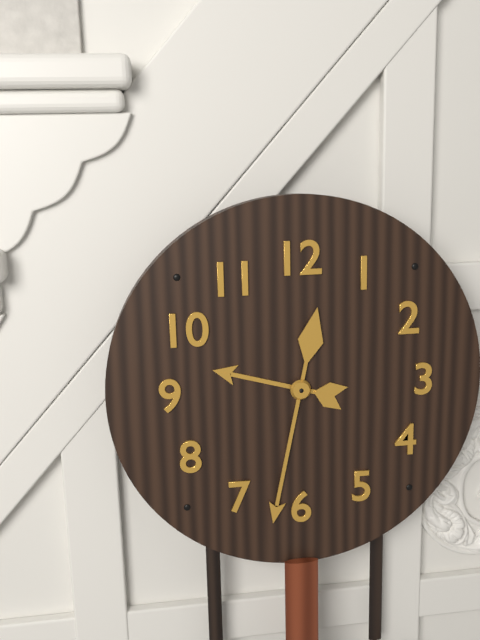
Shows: 9:32
